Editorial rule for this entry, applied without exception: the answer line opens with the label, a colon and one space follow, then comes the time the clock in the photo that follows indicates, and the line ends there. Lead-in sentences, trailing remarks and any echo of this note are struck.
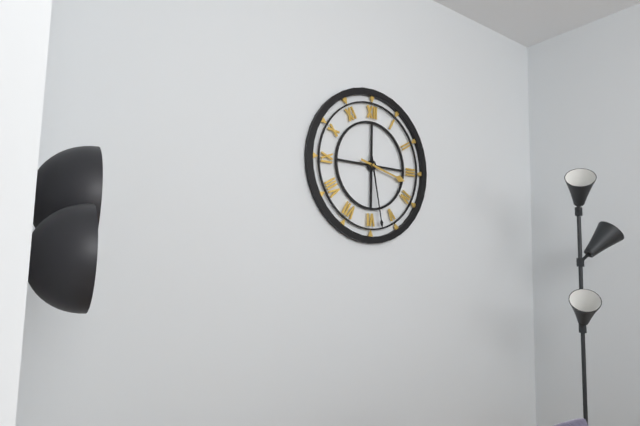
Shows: 3:28
